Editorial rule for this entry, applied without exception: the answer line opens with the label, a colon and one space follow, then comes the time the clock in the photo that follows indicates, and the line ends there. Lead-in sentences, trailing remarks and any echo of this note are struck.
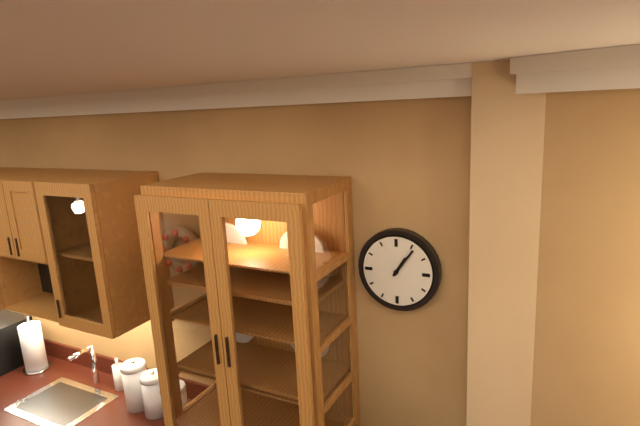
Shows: 1:06
